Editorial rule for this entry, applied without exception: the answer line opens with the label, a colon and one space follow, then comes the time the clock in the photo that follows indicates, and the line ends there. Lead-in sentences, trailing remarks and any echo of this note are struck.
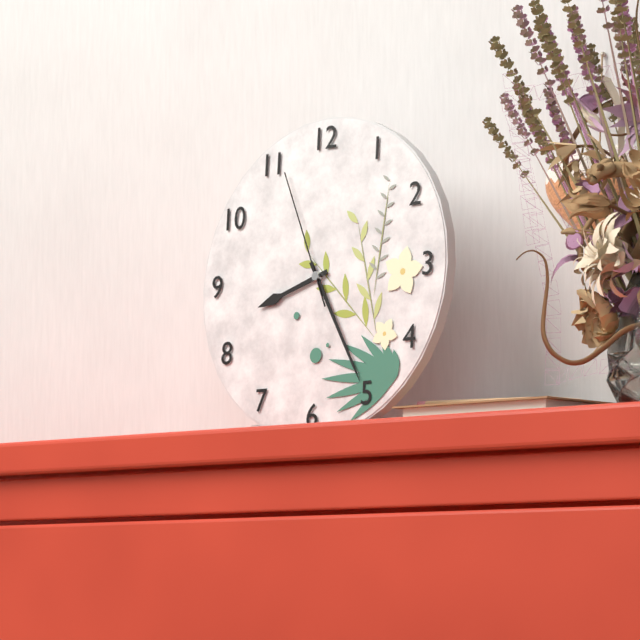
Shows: 8:25:56
